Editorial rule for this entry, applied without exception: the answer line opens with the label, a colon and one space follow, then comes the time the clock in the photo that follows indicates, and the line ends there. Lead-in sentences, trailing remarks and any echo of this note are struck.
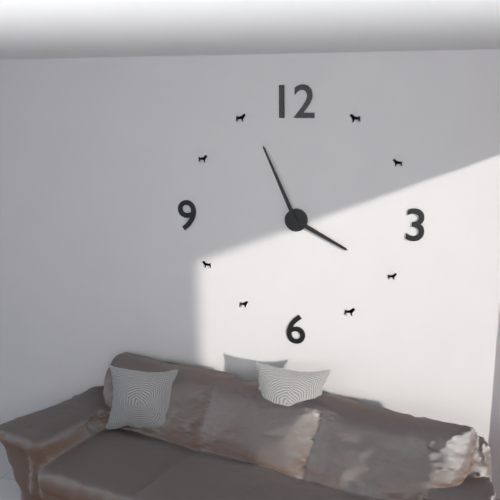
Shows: 3:56
